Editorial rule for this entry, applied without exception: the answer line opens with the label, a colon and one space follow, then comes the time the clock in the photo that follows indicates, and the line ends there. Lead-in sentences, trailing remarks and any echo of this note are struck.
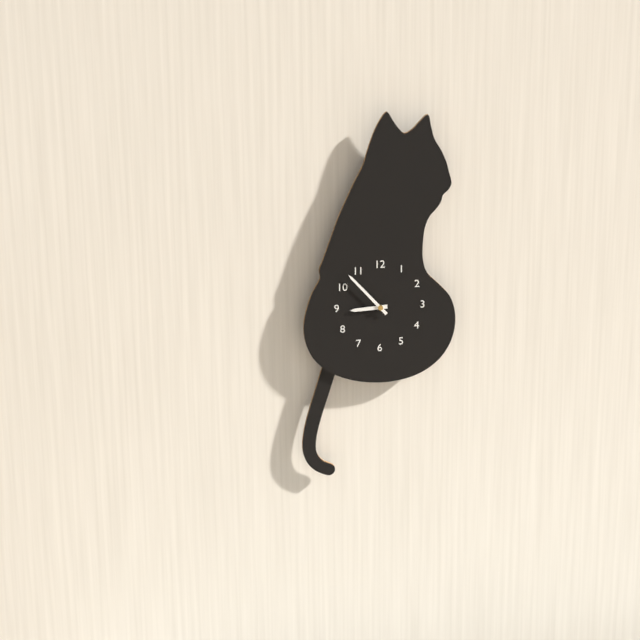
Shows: 8:53
